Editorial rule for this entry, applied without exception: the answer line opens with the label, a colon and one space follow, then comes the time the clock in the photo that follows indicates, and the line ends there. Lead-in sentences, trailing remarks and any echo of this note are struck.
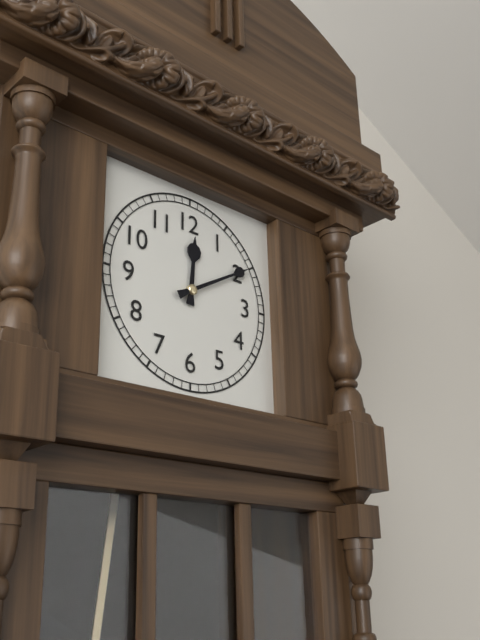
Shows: 12:10
